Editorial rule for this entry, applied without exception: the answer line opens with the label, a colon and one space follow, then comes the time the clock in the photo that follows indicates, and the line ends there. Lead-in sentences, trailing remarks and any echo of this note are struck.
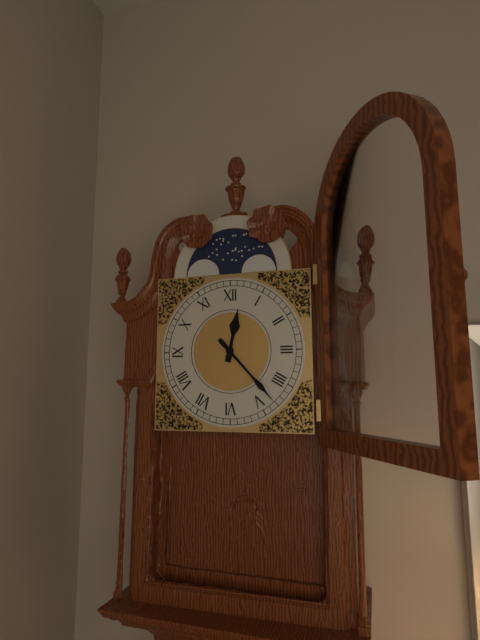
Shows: 12:23
